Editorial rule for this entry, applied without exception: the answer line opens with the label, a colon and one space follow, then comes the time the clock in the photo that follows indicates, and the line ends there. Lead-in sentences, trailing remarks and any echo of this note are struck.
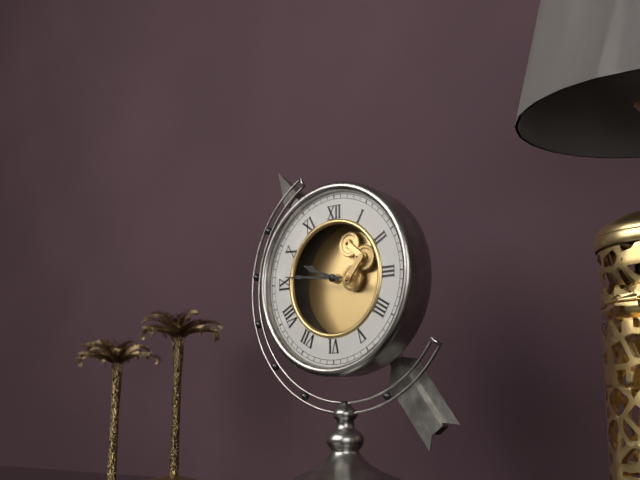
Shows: 9:46
